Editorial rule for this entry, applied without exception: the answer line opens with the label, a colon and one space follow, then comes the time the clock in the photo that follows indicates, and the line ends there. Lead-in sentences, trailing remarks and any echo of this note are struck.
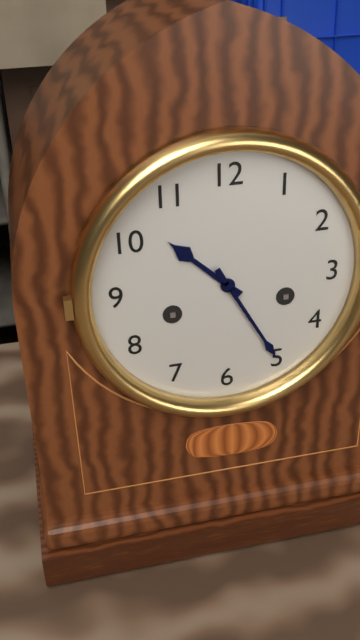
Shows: 10:25
